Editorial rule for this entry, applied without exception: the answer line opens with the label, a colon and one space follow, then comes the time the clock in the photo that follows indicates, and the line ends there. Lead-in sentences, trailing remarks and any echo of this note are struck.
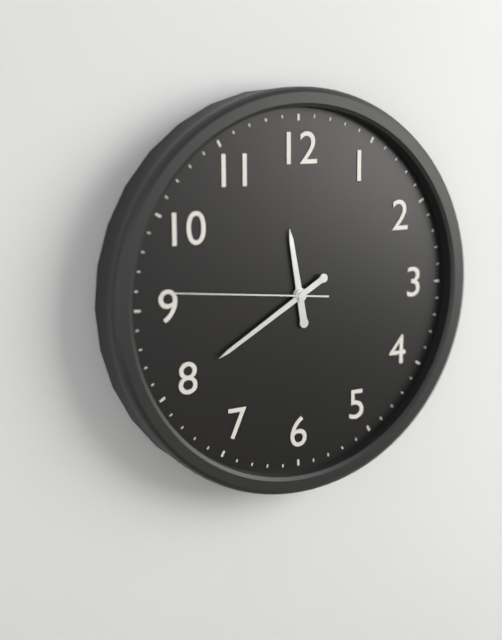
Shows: 11:40:46
